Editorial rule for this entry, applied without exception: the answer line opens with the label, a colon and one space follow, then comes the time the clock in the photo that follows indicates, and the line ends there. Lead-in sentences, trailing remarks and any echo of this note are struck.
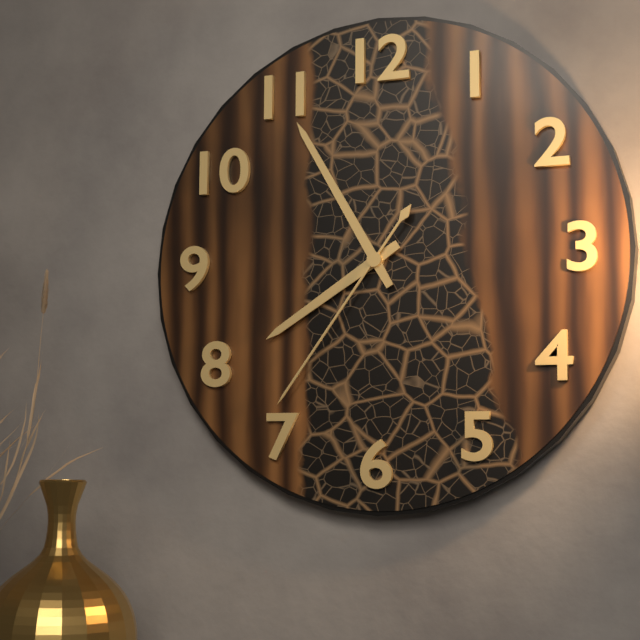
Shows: 7:55:36
